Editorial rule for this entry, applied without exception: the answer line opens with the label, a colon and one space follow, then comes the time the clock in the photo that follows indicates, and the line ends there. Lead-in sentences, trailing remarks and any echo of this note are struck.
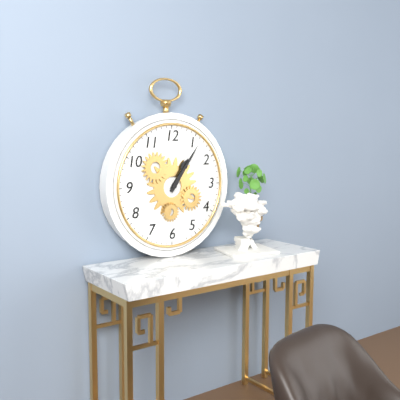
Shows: 1:06
